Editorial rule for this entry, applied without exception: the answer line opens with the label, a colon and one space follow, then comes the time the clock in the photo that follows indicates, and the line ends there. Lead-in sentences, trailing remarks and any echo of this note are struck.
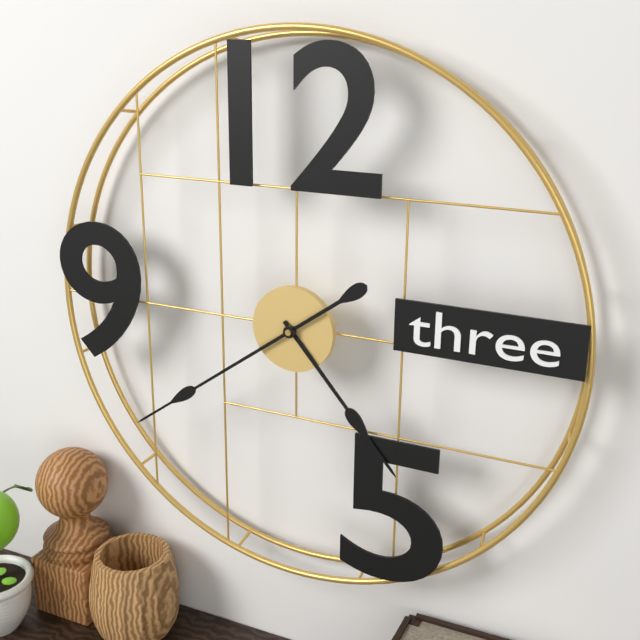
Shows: 4:39
